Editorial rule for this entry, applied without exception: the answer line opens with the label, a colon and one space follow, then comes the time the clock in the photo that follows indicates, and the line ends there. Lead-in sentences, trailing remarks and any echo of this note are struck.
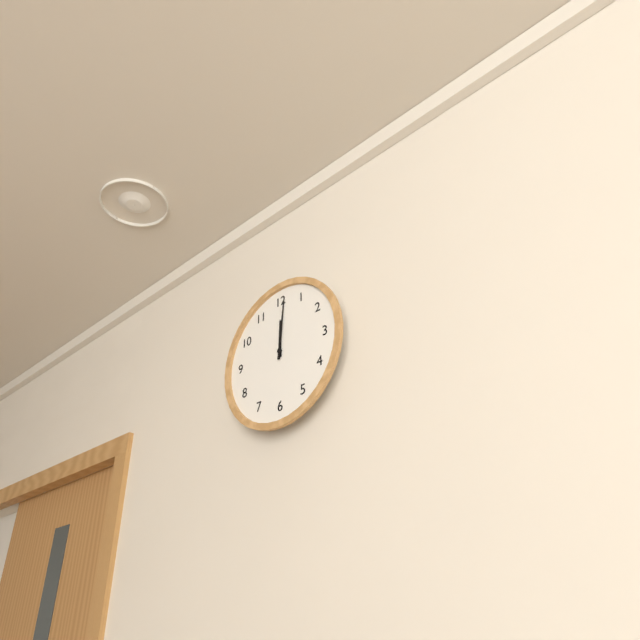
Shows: 12:01
